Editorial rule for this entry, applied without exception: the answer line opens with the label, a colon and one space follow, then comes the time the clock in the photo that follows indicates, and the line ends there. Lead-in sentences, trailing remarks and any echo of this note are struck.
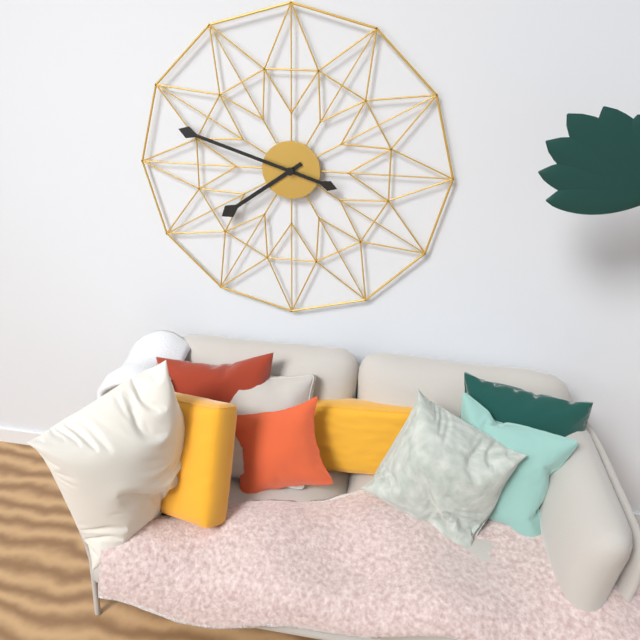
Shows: 7:48
